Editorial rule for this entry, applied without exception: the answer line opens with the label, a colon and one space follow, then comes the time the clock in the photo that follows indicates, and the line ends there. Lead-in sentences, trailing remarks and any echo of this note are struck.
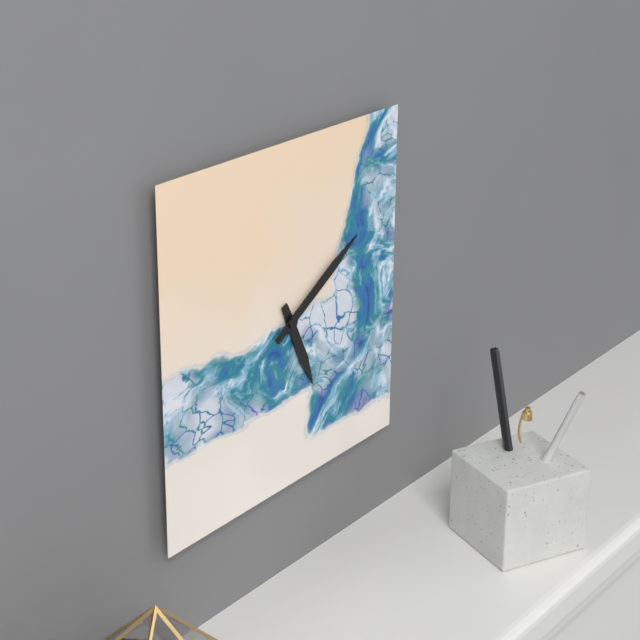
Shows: 5:10
